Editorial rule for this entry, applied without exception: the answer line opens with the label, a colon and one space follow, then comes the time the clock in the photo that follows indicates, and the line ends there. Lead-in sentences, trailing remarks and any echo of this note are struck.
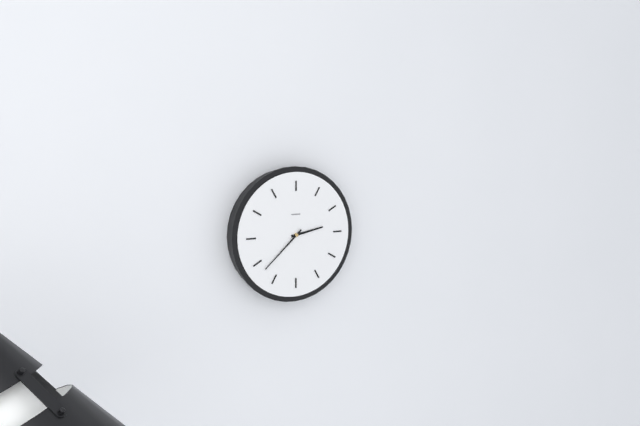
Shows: 2:38
